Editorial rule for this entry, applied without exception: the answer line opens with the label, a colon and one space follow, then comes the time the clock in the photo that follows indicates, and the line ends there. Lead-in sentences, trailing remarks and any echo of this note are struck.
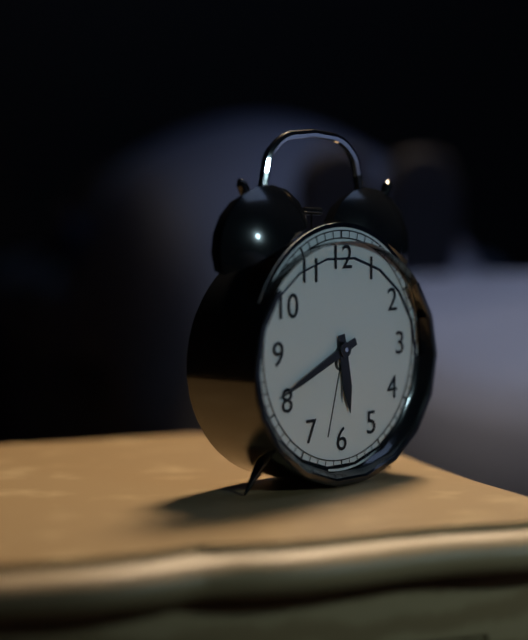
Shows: 5:41
